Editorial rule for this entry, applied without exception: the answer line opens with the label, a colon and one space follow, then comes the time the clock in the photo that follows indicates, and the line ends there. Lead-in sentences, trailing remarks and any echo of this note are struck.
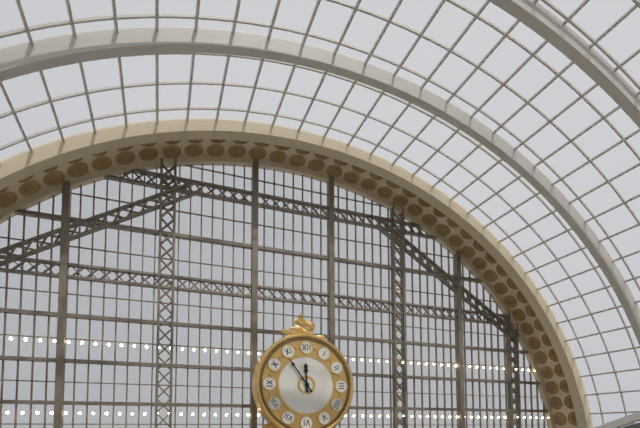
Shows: 11:54
